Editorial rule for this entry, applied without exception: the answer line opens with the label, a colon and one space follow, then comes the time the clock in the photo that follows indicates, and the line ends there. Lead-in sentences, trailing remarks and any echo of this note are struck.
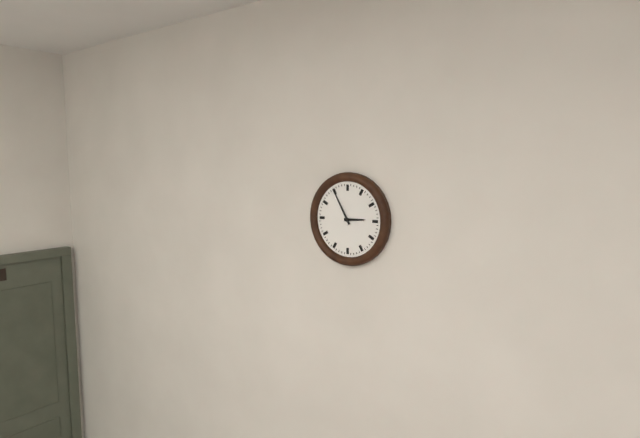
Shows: 2:55
